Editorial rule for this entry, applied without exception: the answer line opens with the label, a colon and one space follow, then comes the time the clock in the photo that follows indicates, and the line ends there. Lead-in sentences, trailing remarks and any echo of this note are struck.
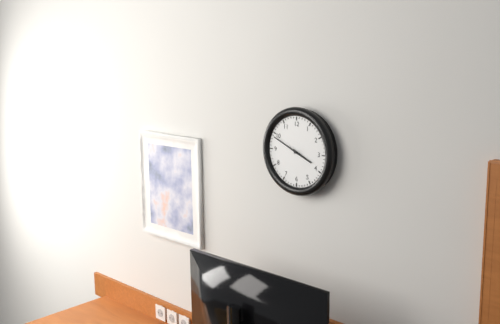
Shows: 3:49
